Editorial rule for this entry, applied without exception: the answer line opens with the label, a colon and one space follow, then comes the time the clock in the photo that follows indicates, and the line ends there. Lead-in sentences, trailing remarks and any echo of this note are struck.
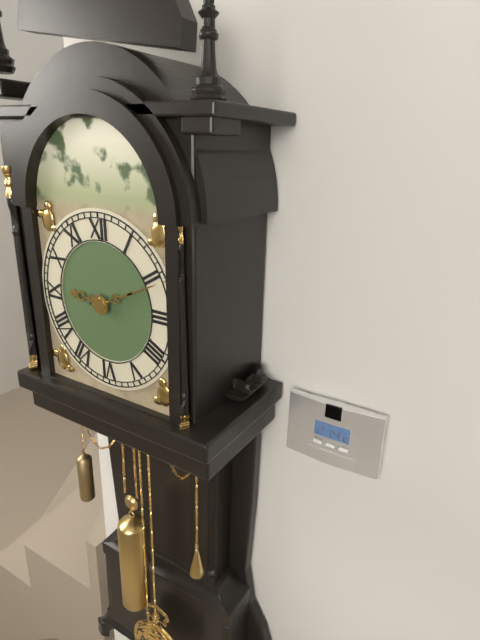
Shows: 9:11
